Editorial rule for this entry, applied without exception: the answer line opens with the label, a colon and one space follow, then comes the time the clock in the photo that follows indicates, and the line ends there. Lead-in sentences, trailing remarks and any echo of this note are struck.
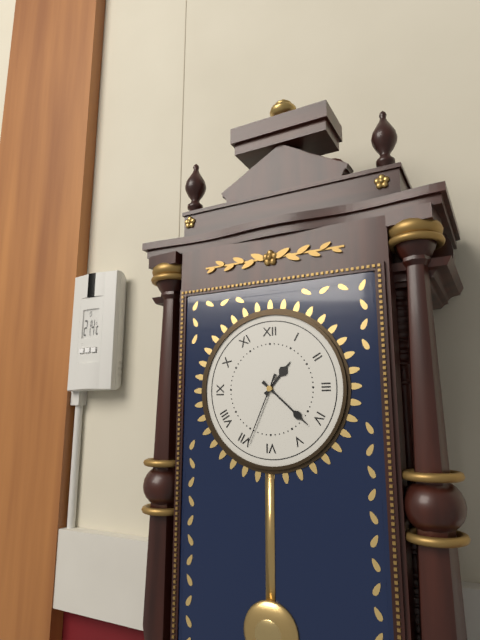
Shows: 1:22:34
